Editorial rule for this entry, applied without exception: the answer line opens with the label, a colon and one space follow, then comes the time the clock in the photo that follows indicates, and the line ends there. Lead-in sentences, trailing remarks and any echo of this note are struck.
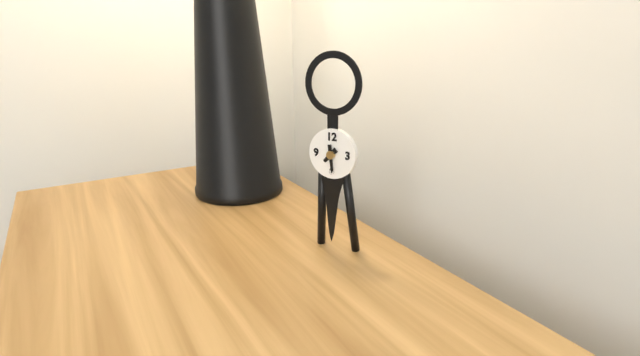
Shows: 7:29
